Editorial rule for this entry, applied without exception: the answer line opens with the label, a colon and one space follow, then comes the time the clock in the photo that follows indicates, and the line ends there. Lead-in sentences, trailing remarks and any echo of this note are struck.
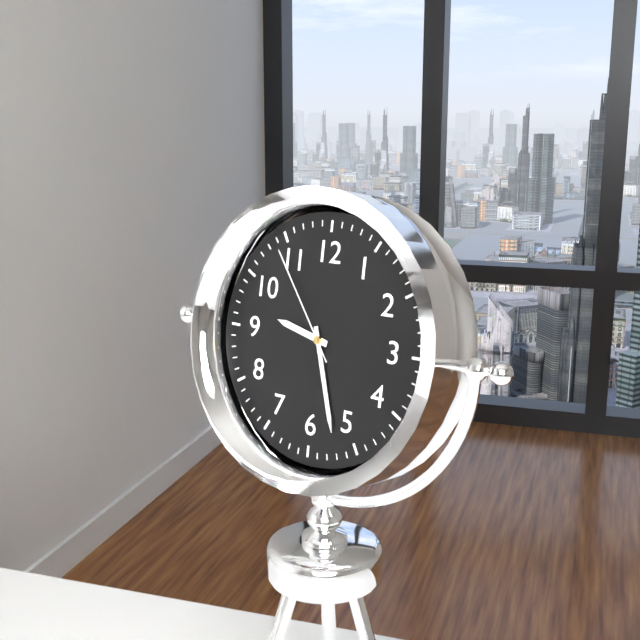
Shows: 9:27:54
